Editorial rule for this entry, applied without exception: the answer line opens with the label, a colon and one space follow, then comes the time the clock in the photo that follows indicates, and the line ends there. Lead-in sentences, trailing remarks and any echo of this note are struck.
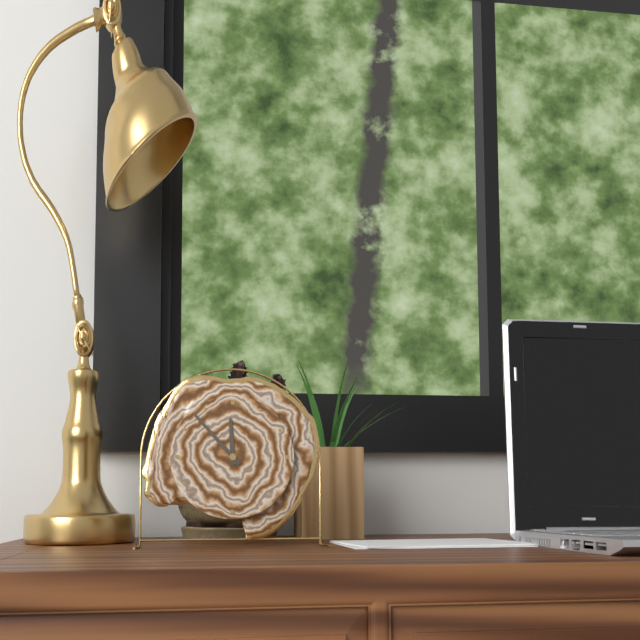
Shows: 11:53
